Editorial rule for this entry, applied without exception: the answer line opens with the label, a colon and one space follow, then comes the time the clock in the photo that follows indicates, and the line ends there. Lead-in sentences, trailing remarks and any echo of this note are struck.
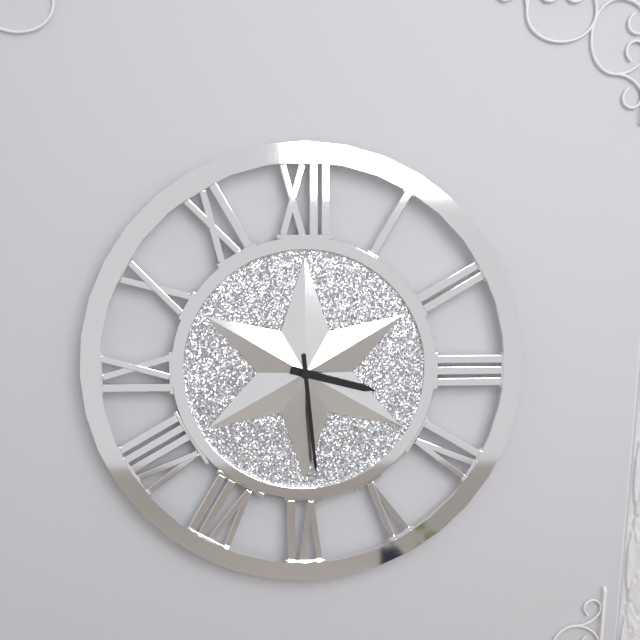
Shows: 3:29
